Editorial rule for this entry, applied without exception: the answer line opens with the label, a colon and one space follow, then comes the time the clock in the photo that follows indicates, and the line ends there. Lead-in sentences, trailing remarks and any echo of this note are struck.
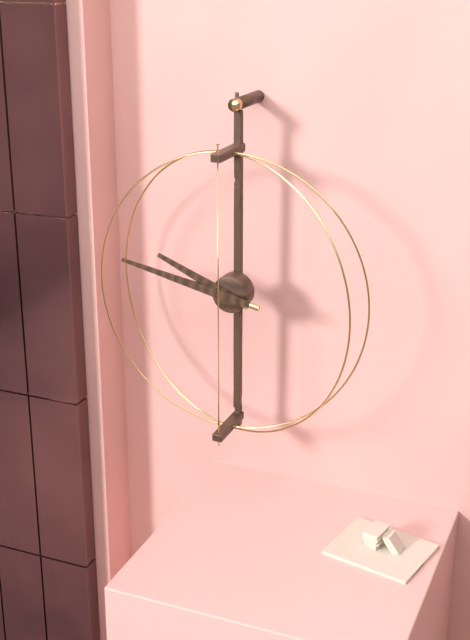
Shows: 9:47
